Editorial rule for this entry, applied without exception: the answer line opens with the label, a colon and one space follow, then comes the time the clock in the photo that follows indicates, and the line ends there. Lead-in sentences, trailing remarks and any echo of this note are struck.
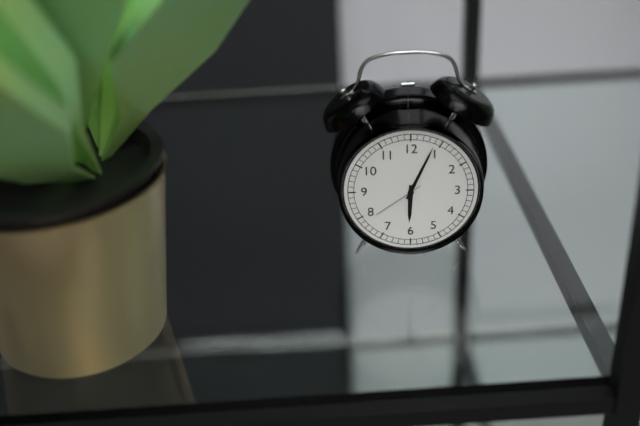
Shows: 6:04:39
